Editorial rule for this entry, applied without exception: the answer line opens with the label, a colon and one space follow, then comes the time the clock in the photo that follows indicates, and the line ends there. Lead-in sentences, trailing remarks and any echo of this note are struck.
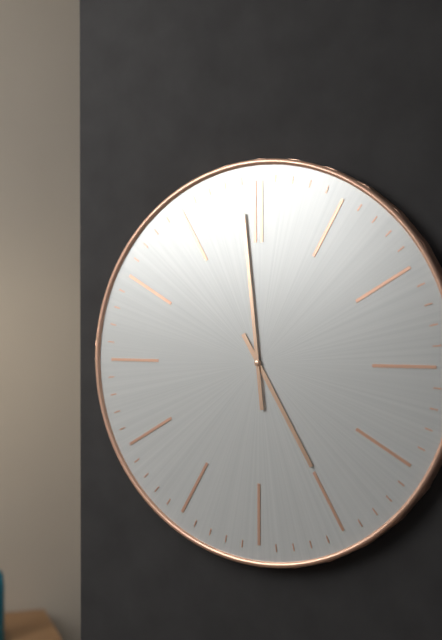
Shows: 4:59
